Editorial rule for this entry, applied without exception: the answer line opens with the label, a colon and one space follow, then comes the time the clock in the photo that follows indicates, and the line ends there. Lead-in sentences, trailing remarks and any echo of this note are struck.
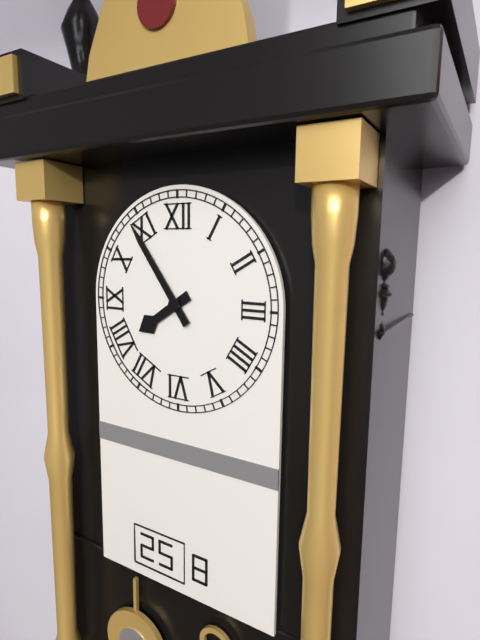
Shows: 7:54
